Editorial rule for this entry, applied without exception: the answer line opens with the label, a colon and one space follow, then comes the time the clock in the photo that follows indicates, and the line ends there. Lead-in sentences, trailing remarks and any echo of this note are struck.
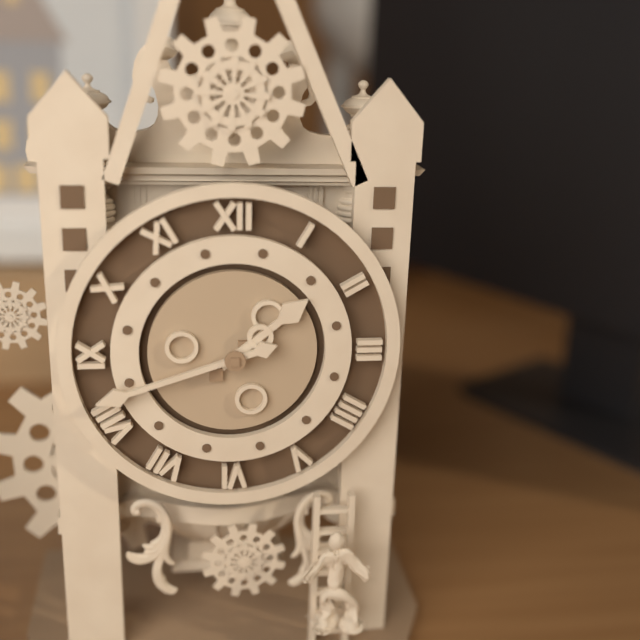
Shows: 1:42
